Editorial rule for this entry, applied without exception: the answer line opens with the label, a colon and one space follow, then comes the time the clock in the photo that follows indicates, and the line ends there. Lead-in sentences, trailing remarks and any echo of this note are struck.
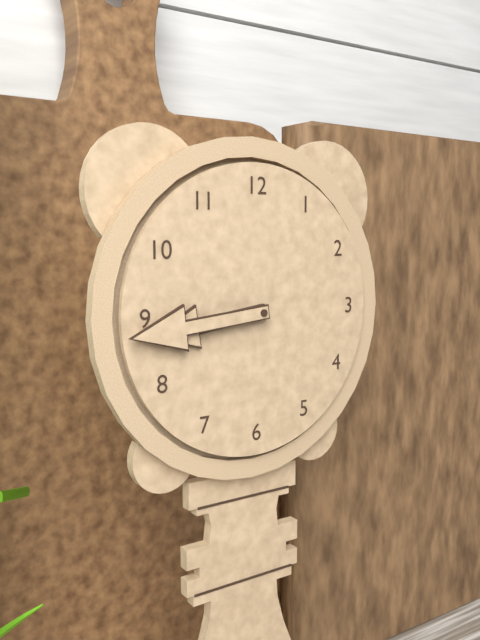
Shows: 8:44
